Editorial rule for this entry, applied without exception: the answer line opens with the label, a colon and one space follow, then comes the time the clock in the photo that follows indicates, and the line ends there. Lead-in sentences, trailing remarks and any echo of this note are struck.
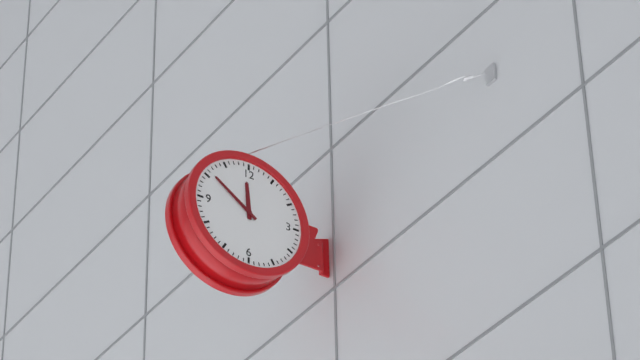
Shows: 11:51
